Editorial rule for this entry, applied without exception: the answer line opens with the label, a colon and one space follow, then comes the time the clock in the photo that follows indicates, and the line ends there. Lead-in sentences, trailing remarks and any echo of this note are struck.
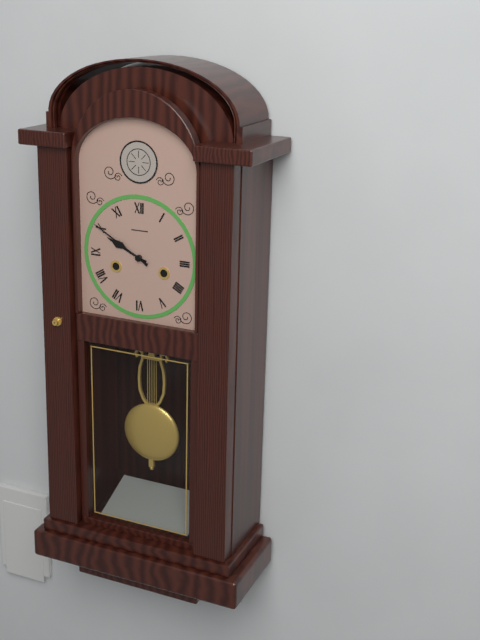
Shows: 9:50
